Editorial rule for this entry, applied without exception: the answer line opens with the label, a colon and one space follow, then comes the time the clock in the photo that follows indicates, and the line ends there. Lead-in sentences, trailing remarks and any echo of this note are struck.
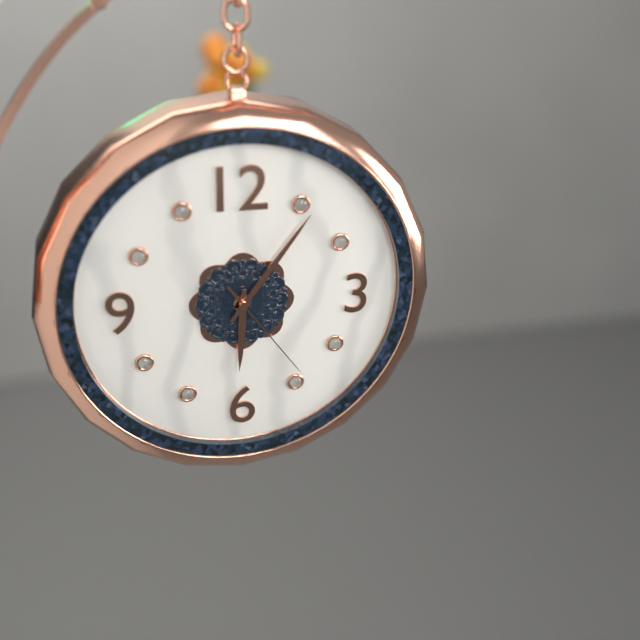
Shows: 6:06:24
